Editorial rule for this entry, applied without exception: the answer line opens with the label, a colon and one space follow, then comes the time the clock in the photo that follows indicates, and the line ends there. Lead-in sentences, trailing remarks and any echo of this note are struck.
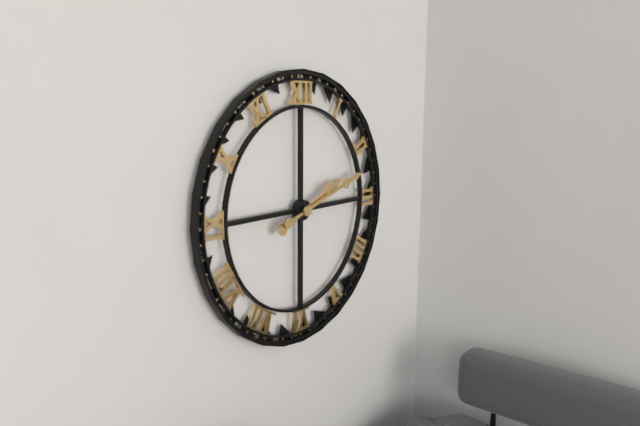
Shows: 2:12
